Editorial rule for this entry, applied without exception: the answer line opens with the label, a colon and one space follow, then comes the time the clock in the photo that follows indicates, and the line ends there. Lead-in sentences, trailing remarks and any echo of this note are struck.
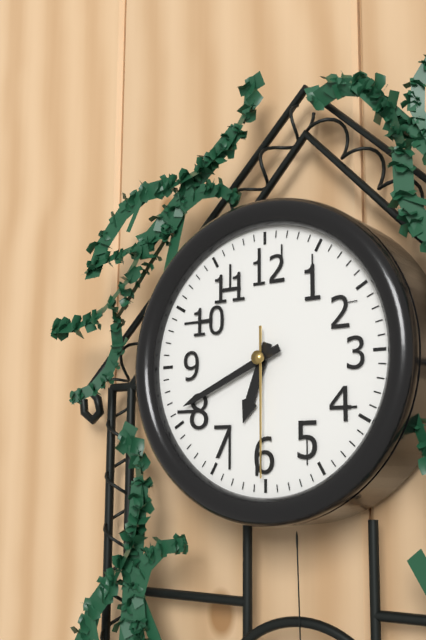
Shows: 6:41:30
